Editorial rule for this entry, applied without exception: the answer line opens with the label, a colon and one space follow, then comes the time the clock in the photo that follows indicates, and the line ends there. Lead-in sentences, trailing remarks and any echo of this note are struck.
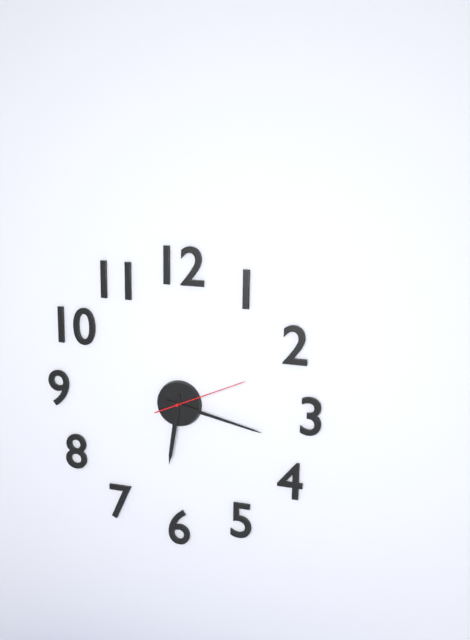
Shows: 6:17:11
